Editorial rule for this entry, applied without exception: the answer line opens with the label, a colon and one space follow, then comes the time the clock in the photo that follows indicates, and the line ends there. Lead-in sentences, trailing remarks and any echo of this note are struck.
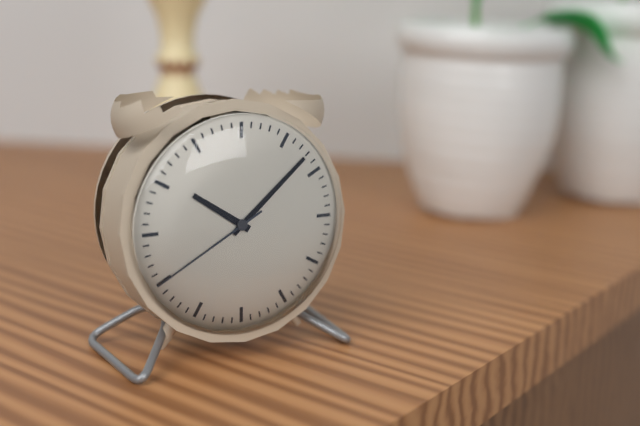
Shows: 10:08:40
